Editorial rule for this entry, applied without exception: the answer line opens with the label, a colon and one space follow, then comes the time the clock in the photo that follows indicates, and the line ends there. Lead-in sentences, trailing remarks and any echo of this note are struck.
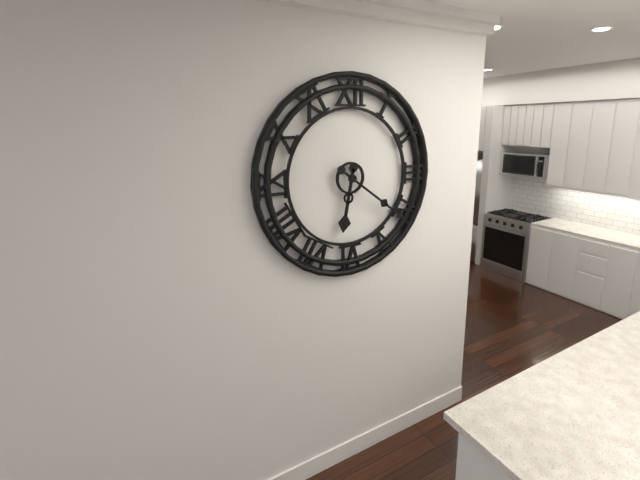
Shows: 6:21
